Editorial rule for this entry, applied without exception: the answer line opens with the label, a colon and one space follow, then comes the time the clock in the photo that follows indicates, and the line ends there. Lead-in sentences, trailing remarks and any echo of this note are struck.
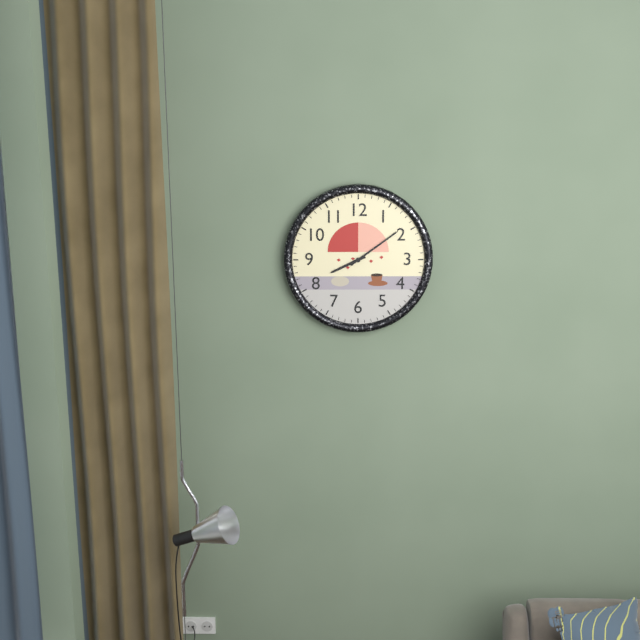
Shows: 8:09
